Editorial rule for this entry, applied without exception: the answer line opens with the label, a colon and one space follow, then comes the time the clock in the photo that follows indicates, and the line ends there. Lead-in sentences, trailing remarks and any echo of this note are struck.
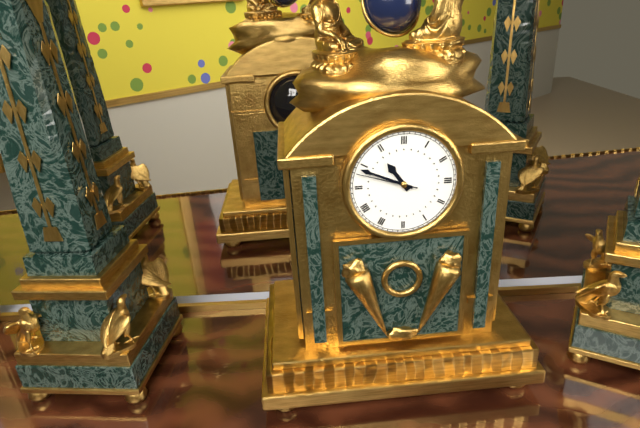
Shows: 10:49:48
